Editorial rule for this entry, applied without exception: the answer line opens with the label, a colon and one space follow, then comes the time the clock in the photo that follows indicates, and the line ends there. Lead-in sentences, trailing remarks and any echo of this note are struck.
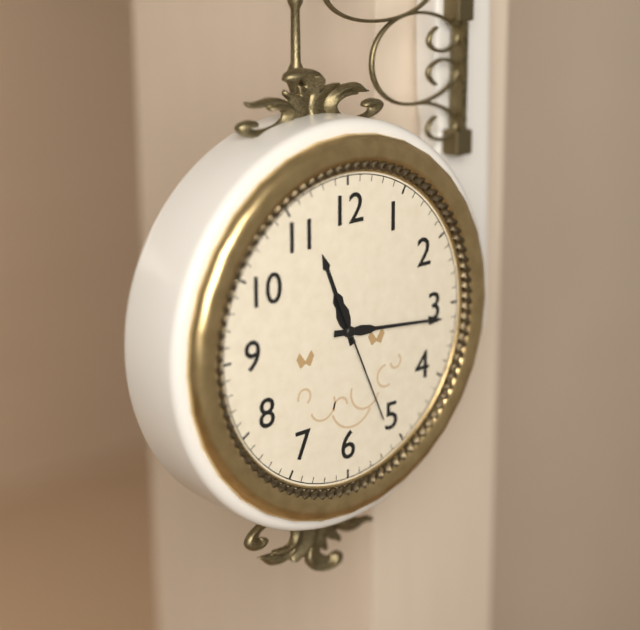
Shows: 11:16:26
